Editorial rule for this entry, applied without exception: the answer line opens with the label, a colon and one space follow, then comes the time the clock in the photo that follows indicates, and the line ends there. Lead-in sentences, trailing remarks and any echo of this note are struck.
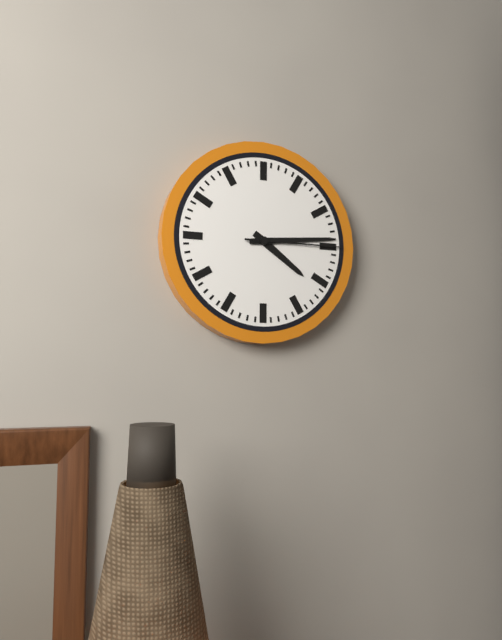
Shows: 4:14:15
